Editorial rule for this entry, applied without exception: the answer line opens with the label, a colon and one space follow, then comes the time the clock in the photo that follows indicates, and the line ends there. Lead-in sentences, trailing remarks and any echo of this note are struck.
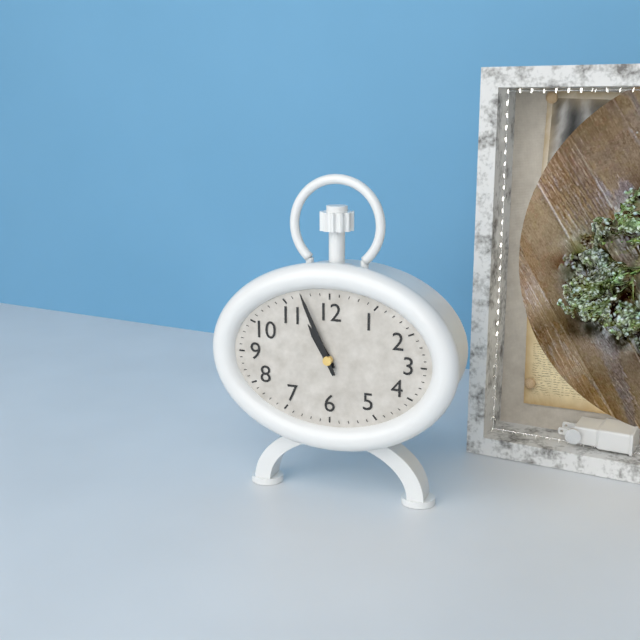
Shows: 10:56
